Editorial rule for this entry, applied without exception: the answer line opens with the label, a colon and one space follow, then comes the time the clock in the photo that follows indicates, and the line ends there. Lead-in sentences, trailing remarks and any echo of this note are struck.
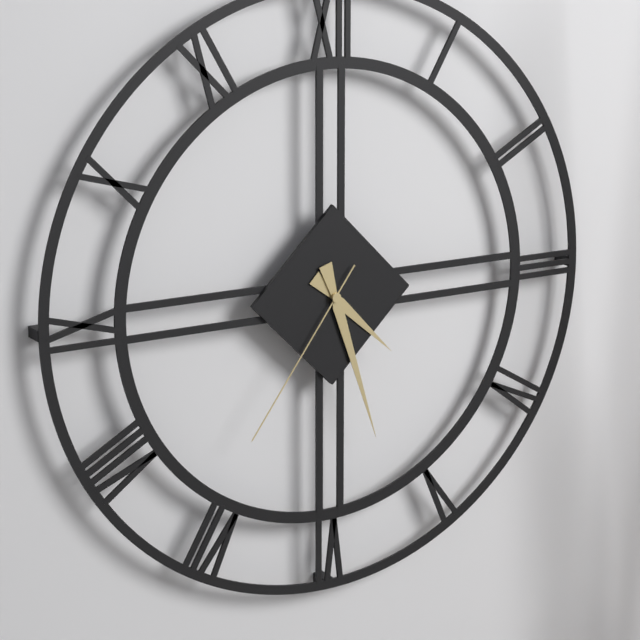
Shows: 4:27:36
